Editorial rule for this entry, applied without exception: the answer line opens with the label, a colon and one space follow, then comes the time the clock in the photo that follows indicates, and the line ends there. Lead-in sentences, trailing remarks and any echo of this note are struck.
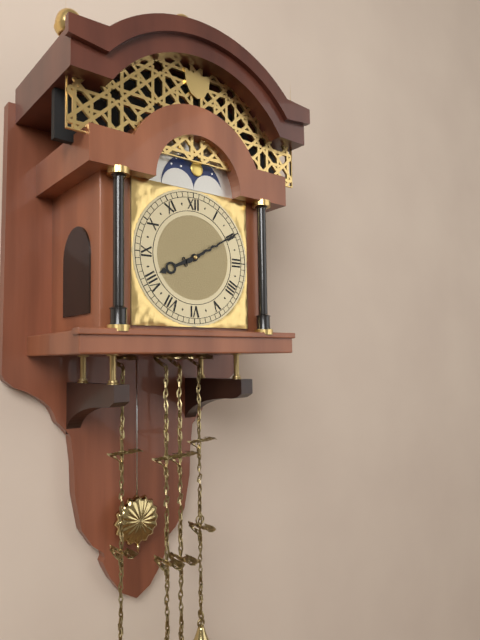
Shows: 8:10
